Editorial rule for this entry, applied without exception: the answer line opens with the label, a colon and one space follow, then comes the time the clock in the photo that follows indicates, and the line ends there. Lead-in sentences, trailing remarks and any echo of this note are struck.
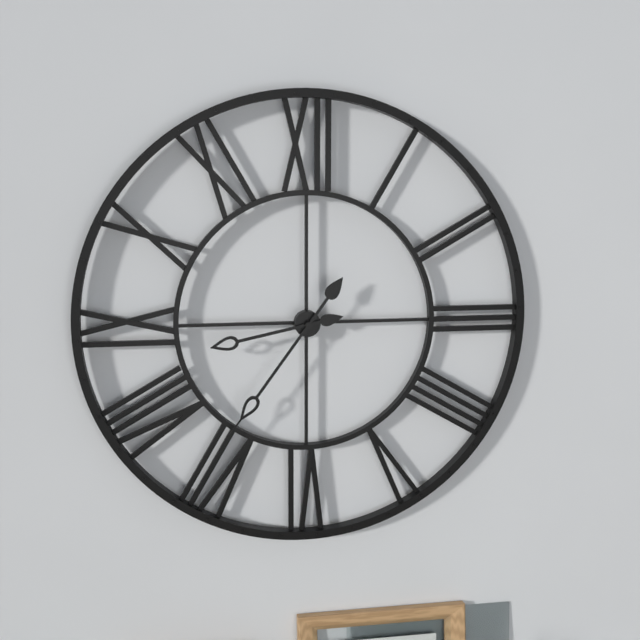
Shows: 8:36
